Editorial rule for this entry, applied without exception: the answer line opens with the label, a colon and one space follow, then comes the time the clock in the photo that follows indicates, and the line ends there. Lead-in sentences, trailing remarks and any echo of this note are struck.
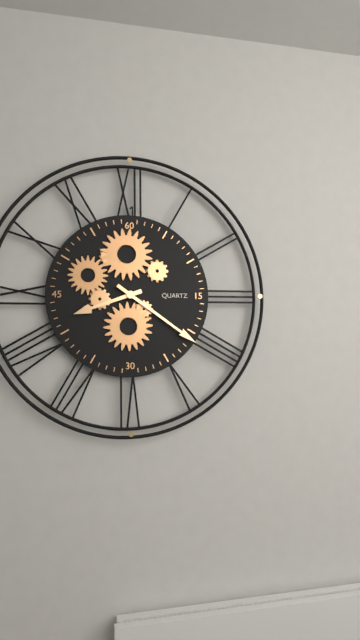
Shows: 8:21
